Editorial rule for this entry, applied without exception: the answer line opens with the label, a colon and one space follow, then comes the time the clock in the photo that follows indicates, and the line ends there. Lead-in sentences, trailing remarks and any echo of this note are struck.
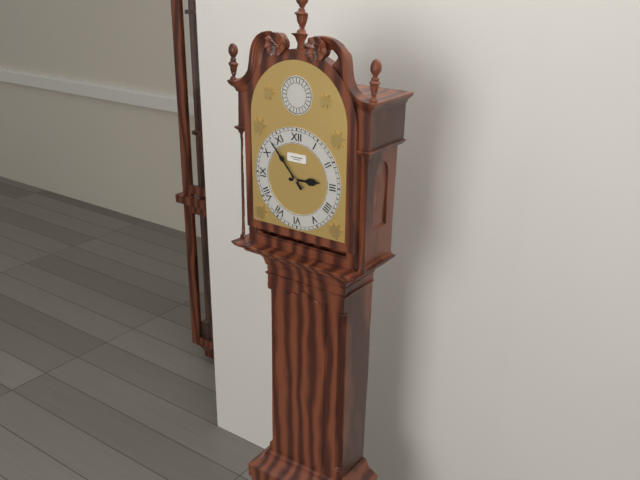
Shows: 2:53
